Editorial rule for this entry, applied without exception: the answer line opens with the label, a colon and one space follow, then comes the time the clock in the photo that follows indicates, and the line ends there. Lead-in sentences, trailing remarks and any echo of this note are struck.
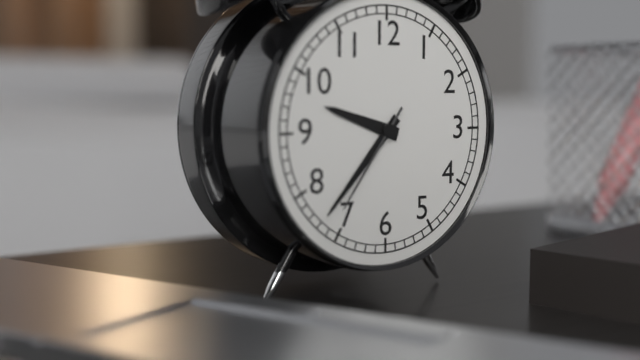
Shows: 9:37:36
